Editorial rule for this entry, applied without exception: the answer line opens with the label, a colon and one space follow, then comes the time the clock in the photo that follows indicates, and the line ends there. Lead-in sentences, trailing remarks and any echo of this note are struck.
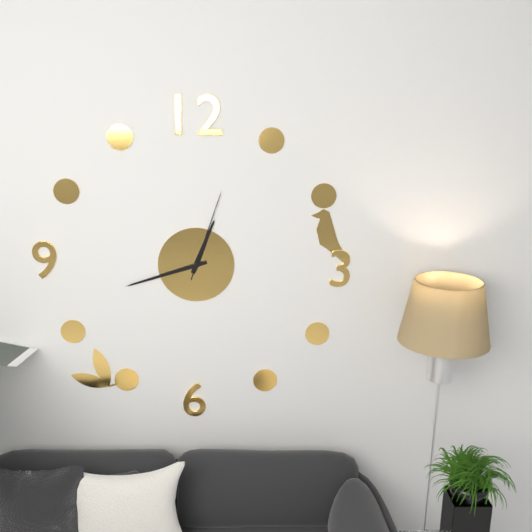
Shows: 12:42:03
